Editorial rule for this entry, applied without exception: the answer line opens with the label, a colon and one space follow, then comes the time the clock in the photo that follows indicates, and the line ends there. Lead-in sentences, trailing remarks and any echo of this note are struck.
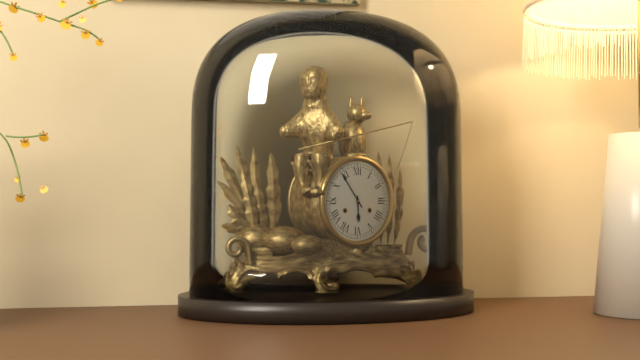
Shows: 5:54
